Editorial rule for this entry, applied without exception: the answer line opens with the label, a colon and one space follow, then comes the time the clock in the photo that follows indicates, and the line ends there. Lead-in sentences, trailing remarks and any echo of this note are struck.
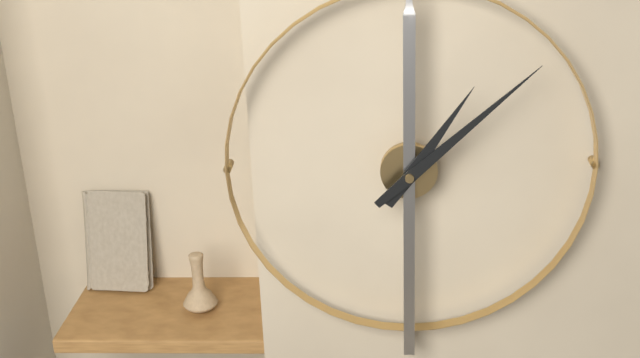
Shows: 1:08
